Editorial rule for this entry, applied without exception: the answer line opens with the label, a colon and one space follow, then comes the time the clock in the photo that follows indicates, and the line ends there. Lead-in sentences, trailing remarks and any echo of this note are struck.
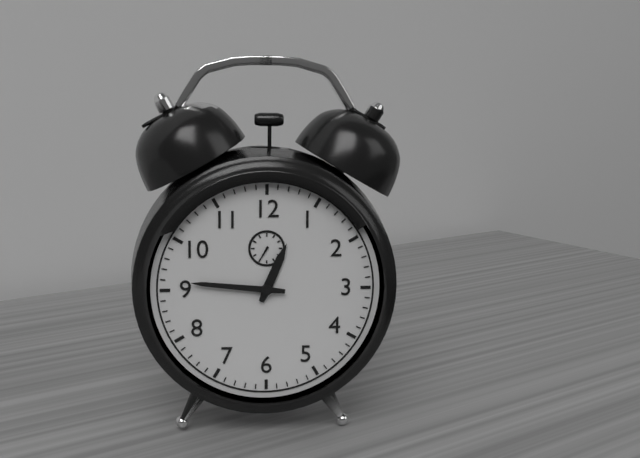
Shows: 12:46
